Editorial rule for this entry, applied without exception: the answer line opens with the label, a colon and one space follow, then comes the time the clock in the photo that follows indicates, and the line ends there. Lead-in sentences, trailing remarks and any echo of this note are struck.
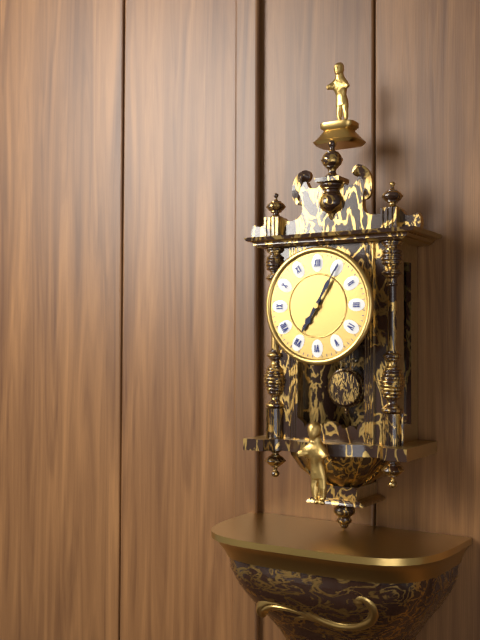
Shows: 7:05
